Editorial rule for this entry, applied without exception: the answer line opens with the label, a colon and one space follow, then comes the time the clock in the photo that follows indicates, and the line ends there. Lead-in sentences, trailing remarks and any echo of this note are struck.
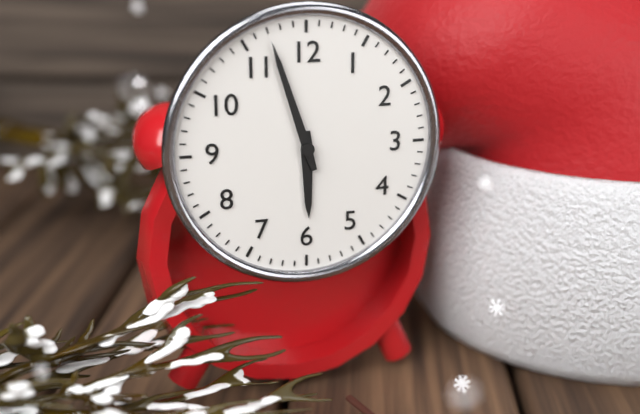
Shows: 5:57
